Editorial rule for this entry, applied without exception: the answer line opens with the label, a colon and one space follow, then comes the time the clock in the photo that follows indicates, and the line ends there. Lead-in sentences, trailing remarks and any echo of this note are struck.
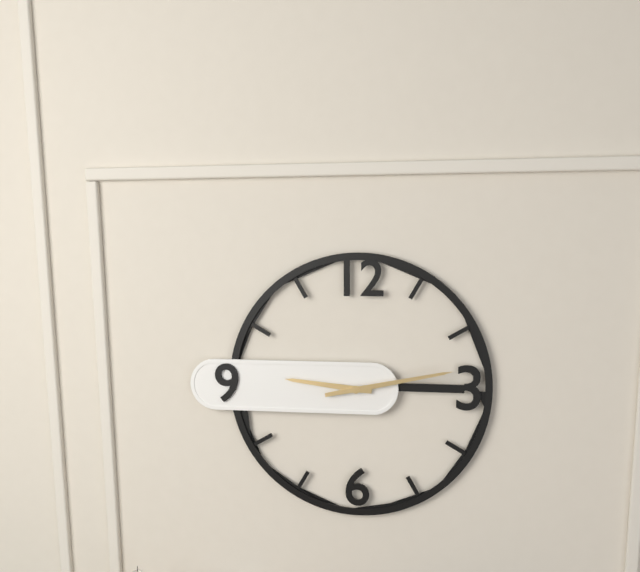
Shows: 9:13
